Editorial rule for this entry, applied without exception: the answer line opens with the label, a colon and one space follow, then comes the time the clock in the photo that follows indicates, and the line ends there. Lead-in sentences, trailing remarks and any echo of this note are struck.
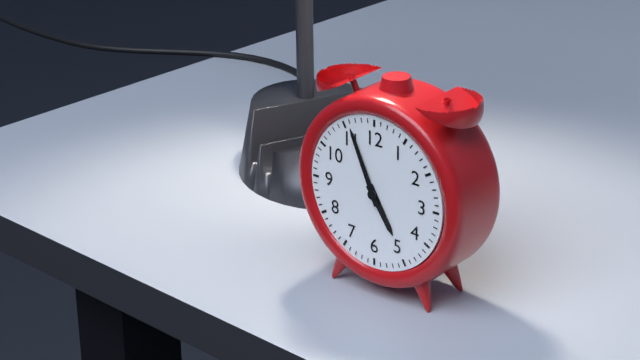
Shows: 4:56
